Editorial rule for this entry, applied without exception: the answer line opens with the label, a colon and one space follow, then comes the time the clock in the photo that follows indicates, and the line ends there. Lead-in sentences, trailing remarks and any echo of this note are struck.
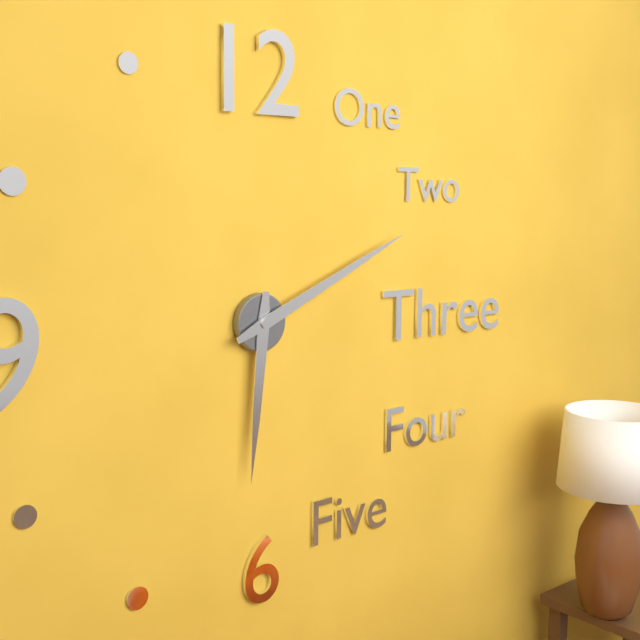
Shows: 6:11
